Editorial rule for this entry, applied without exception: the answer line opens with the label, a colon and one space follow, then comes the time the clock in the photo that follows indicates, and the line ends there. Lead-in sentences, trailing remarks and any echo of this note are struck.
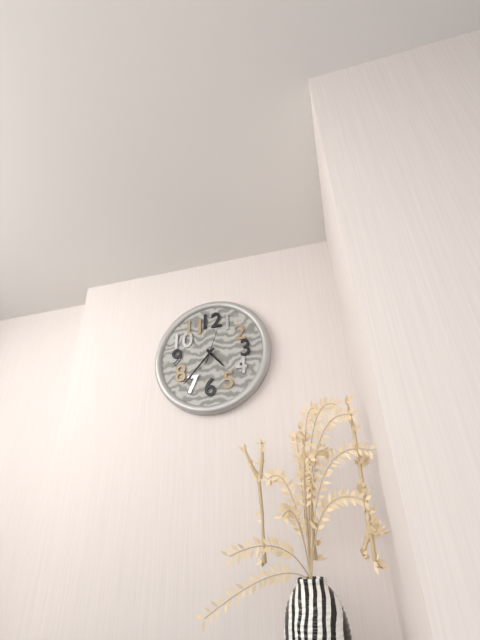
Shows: 4:37
